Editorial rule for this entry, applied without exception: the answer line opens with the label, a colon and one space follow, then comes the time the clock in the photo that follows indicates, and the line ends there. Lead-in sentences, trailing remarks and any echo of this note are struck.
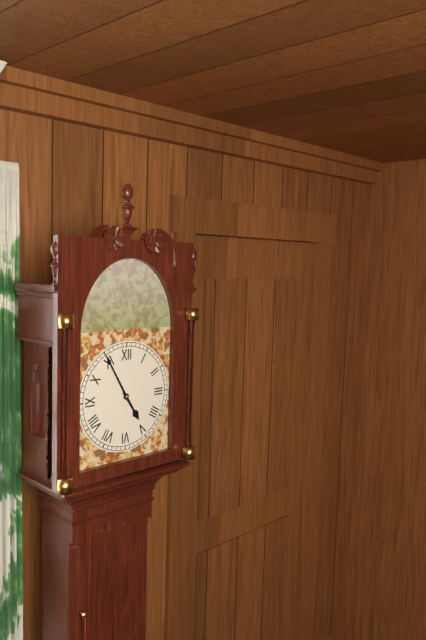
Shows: 4:55
